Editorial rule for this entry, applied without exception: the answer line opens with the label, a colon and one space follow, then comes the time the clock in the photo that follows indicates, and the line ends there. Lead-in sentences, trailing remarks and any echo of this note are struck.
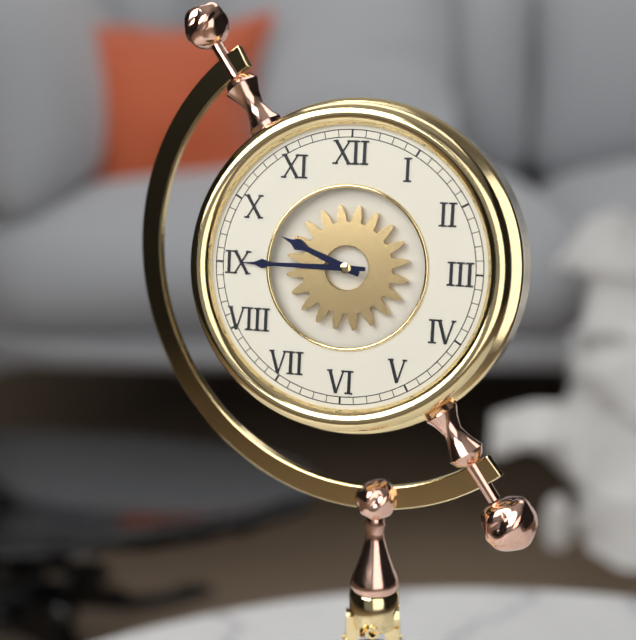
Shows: 9:45
